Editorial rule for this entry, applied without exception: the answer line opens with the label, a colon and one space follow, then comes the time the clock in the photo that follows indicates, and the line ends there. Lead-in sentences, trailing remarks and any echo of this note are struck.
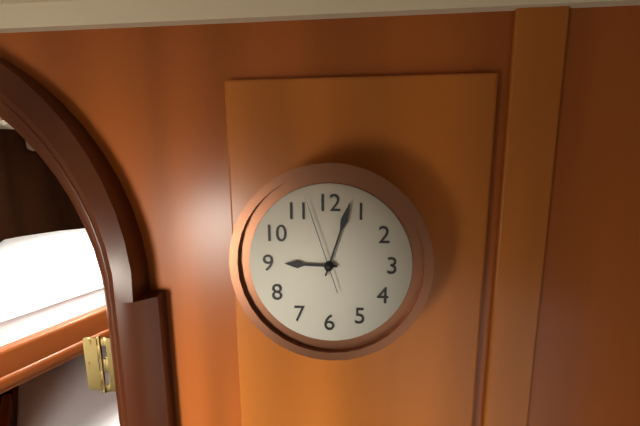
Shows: 9:03:57
